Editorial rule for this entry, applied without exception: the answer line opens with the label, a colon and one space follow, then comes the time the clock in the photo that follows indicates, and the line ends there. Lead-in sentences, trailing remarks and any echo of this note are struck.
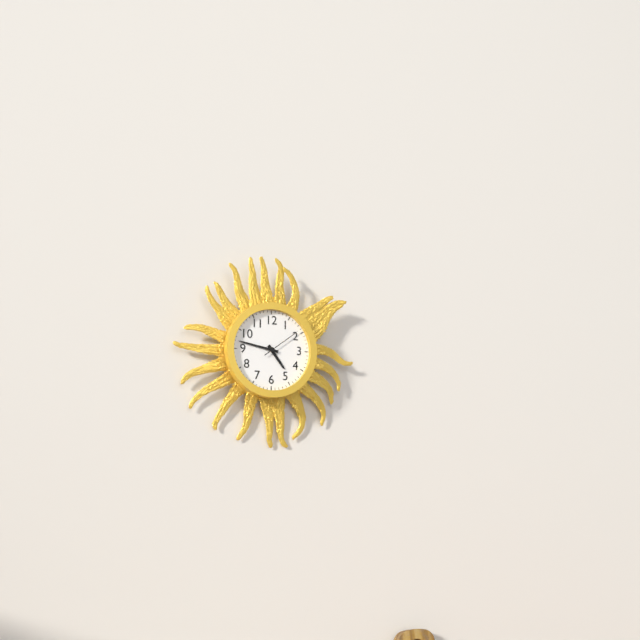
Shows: 4:47
